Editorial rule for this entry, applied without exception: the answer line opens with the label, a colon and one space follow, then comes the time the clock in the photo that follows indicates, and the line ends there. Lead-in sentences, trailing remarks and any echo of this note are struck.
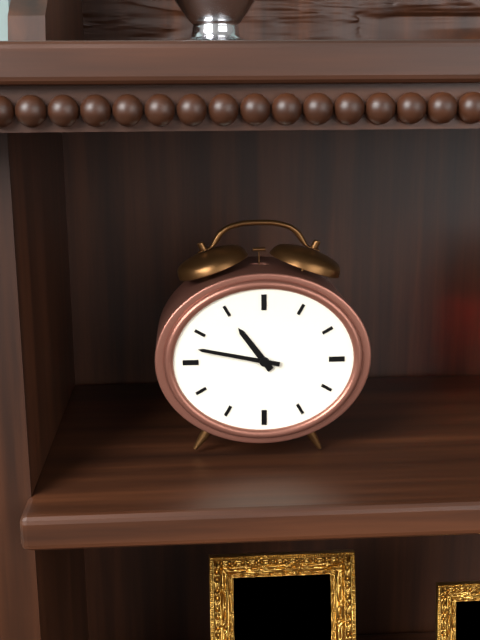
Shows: 10:47
